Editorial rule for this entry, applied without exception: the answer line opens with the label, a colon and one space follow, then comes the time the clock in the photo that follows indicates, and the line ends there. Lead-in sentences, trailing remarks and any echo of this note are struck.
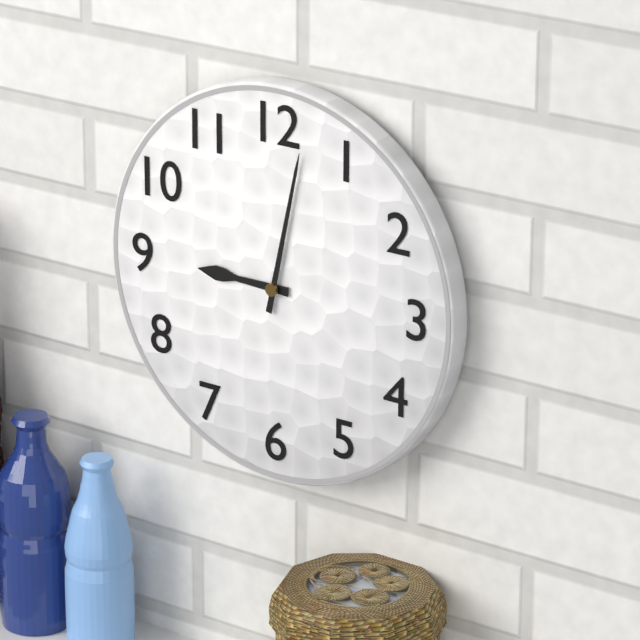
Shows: 9:02
